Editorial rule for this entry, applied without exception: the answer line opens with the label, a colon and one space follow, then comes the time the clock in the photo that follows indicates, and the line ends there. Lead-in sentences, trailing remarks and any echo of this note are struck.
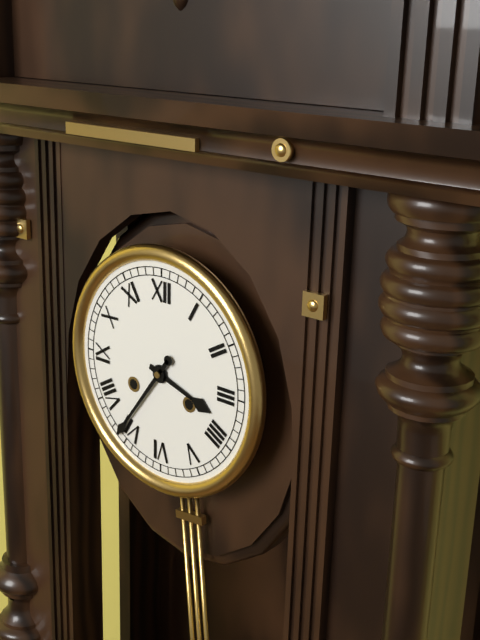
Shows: 3:36
